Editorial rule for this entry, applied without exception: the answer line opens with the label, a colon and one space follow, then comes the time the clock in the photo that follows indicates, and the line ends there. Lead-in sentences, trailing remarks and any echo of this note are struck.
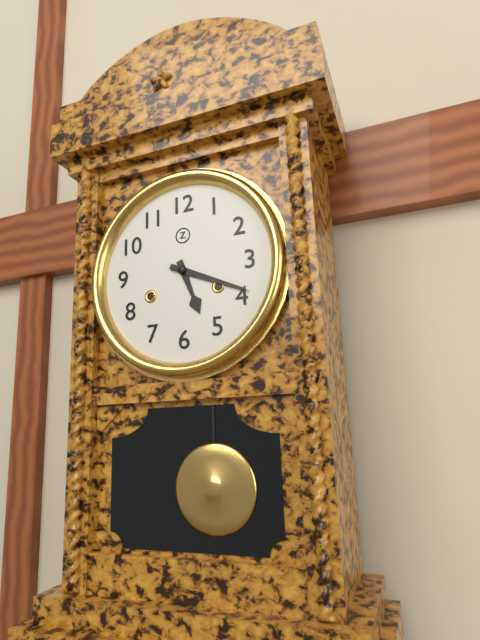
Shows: 5:19
